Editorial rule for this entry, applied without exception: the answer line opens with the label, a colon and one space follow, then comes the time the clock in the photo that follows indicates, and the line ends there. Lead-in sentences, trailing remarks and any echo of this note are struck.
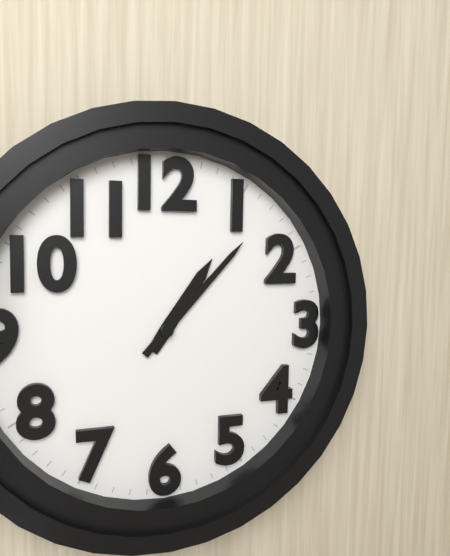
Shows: 1:07
